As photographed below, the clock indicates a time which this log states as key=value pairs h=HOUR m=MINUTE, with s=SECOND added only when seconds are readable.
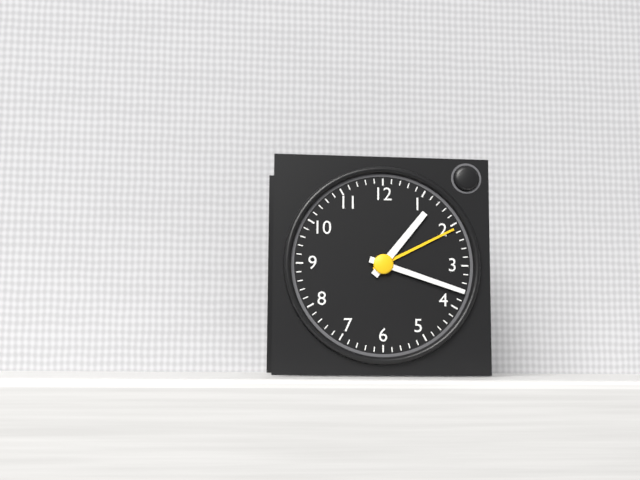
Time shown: h=1 m=18
